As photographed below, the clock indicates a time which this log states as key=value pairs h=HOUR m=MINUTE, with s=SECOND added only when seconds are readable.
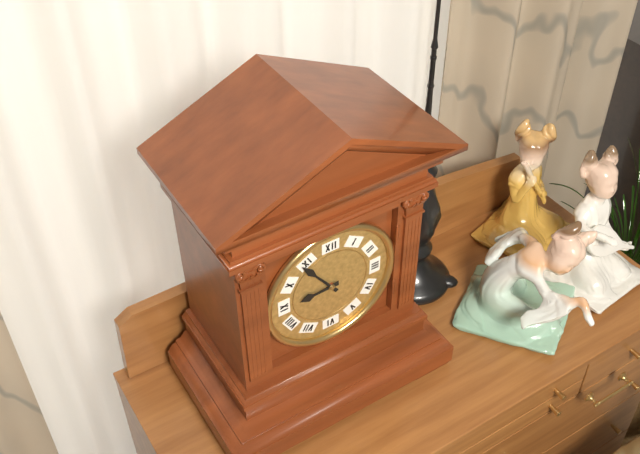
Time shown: h=8 m=54
